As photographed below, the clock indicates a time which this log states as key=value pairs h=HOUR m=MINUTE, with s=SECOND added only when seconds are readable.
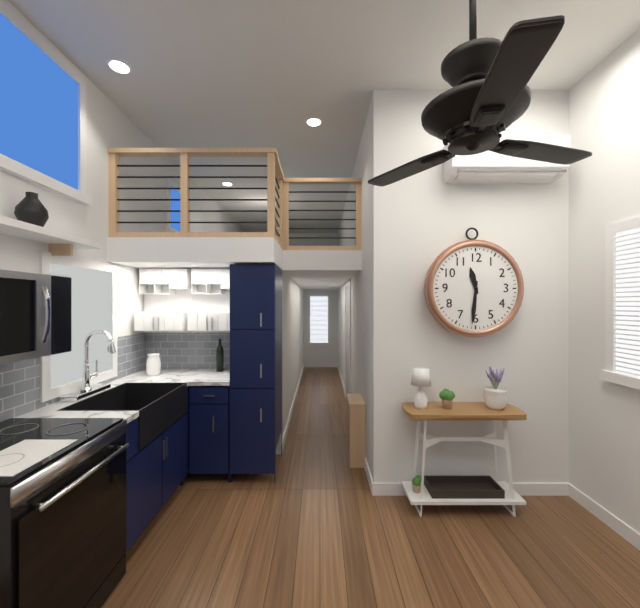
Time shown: h=11 m=31
